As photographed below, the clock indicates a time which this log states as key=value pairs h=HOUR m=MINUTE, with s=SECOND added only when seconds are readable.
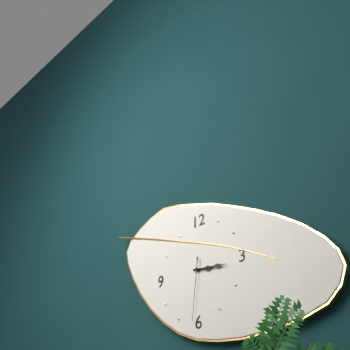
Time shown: h=3 m=16 s=31
